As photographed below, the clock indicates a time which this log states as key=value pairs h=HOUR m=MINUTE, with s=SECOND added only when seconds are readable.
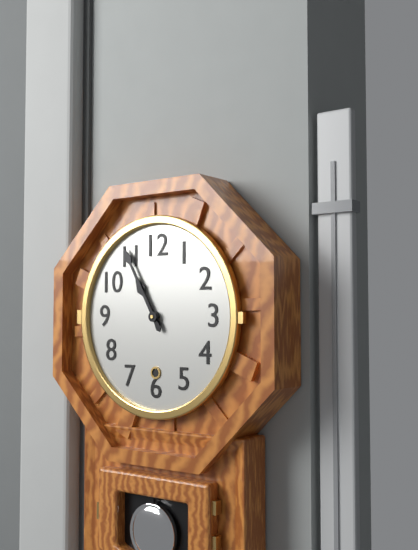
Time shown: h=10 m=55
